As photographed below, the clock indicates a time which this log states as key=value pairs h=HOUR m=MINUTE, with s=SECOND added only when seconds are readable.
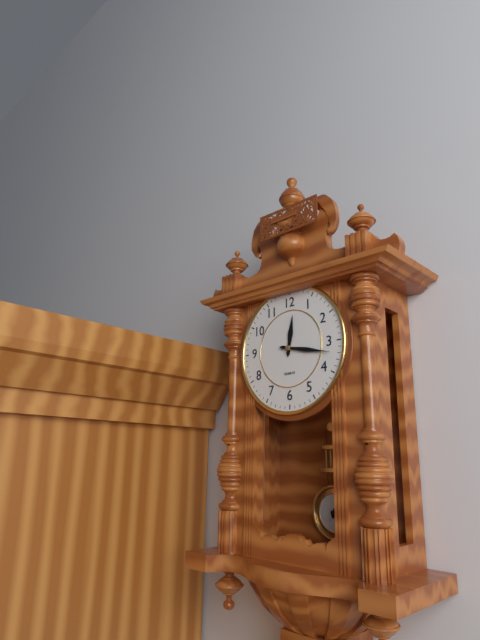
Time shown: h=12 m=17
